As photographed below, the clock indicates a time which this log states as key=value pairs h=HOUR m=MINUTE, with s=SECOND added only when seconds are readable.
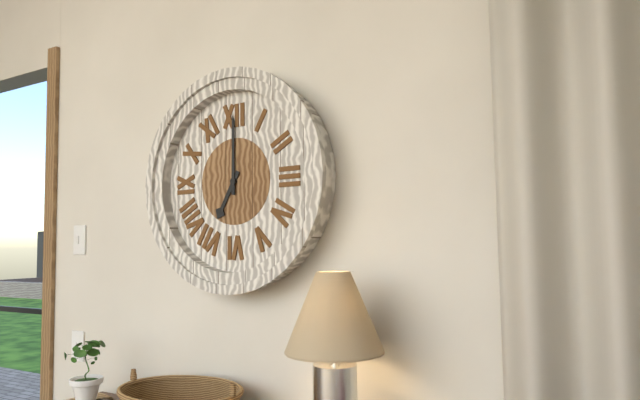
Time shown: h=7 m=0
